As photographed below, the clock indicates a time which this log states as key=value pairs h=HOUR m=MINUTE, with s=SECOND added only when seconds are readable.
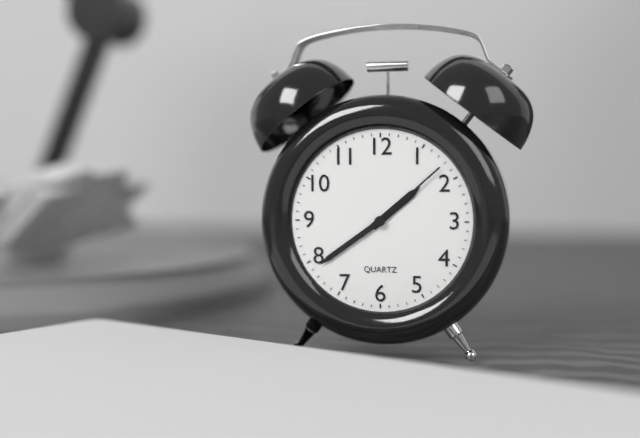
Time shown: h=1 m=39 s=8
